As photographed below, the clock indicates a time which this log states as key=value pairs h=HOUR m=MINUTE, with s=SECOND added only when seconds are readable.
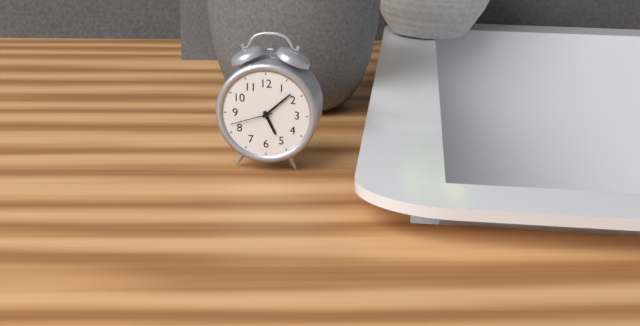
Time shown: h=5 m=8
